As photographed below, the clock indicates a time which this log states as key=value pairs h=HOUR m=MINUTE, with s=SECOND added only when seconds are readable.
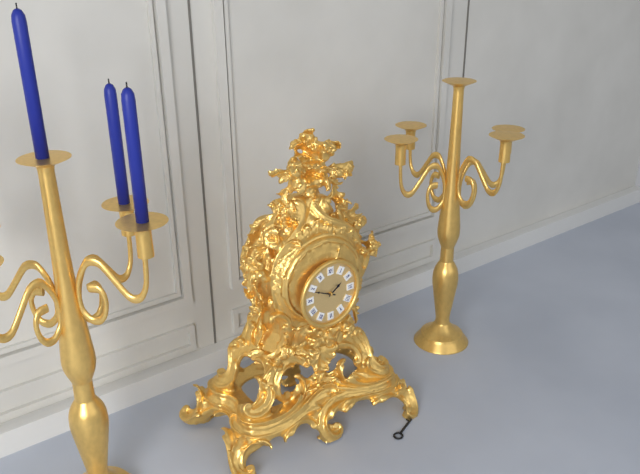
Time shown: h=1 m=49
